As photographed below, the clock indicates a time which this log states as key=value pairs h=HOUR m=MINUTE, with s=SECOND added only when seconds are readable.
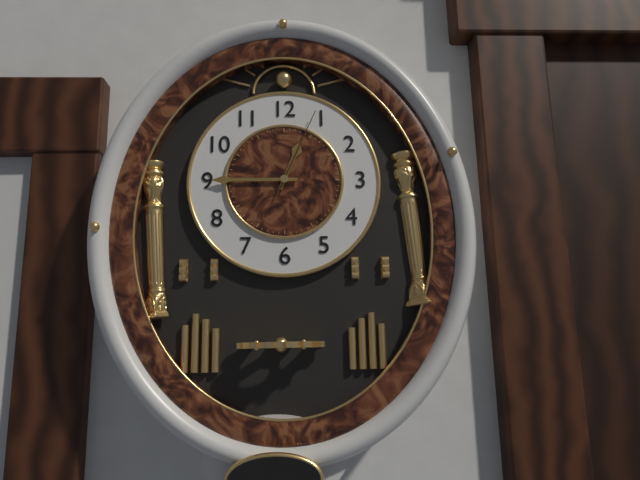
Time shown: h=12 m=45 s=4
